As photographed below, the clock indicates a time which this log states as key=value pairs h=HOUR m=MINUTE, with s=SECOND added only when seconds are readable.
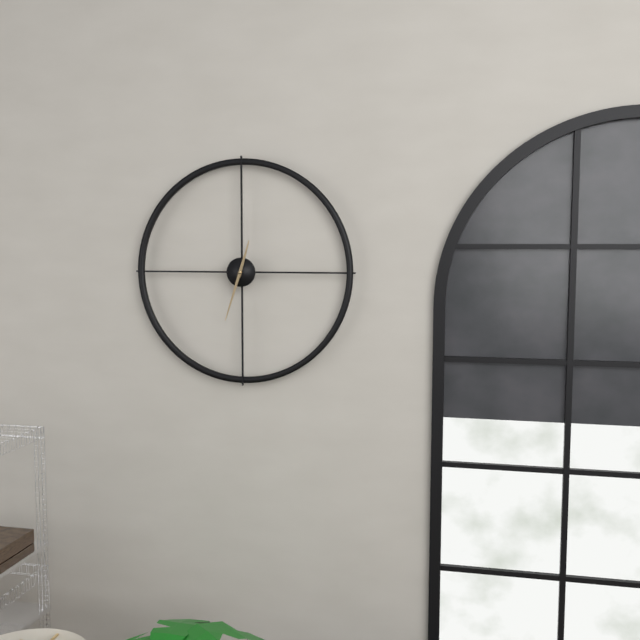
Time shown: h=12 m=33
